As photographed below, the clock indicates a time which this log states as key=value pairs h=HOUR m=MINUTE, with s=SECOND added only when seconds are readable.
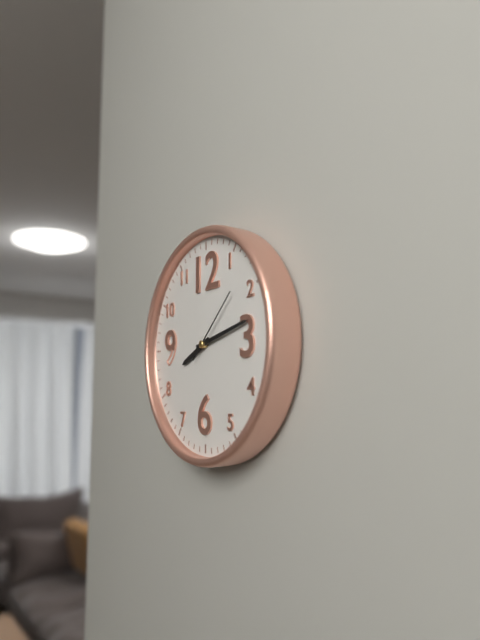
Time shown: h=8 m=13 s=8
